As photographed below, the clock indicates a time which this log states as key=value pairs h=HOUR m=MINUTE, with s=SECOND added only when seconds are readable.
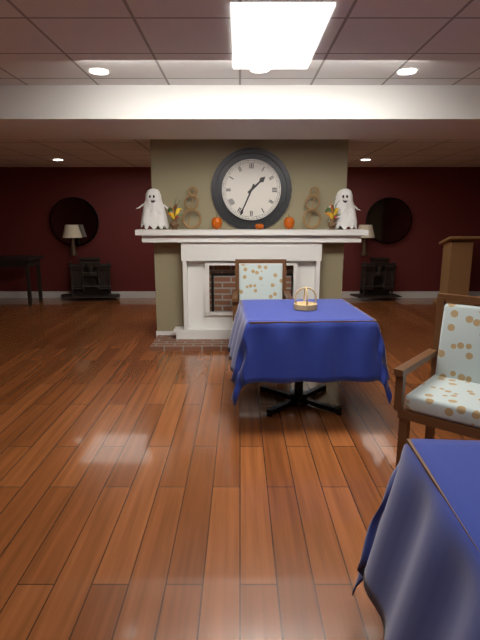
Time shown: h=1 m=34
